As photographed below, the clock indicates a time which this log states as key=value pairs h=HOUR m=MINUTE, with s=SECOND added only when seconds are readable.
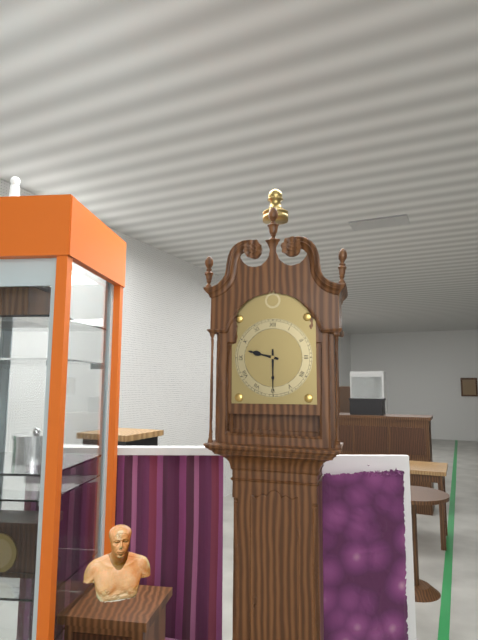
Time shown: h=9 m=30
